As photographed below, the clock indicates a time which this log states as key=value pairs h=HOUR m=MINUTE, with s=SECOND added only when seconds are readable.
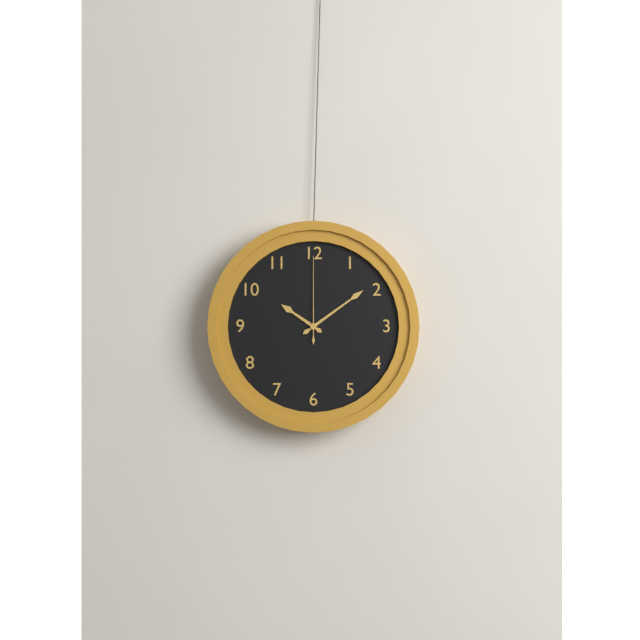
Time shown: h=10 m=9 s=0
